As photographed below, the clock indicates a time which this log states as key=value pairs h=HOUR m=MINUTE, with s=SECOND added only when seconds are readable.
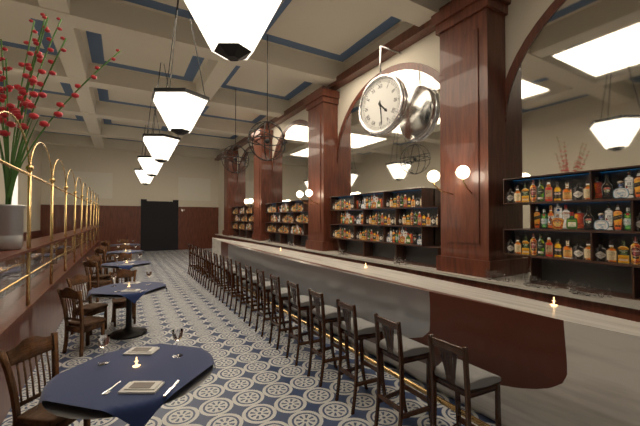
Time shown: h=4 m=29
